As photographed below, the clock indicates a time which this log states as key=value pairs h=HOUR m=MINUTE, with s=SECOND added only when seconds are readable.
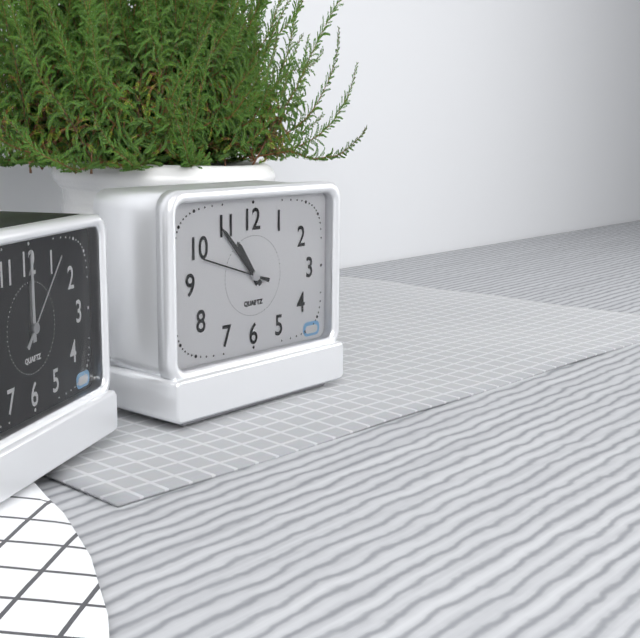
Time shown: h=10 m=53 s=48
